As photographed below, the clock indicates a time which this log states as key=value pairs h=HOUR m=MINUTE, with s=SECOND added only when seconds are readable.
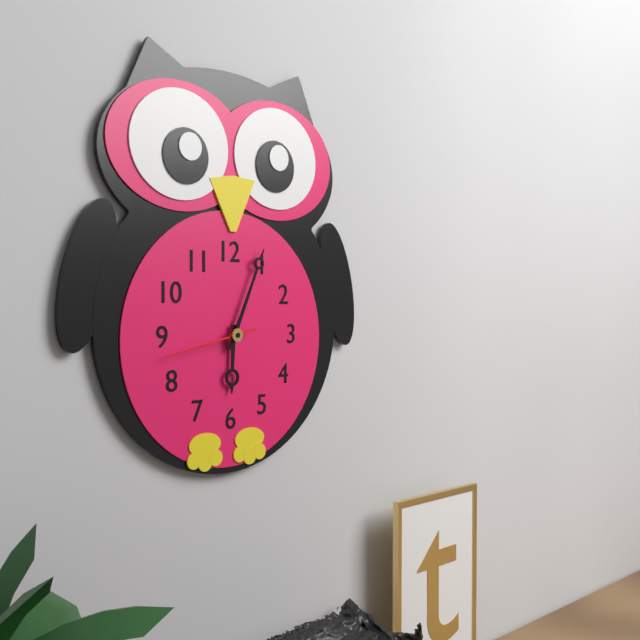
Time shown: h=6 m=4 s=43
